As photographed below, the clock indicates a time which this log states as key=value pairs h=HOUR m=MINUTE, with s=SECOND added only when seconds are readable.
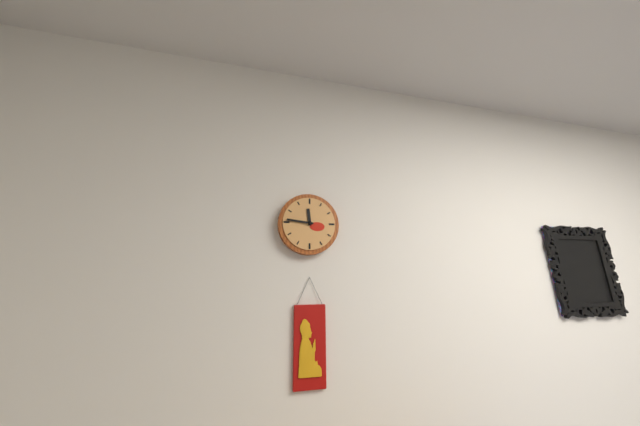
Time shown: h=11 m=46
